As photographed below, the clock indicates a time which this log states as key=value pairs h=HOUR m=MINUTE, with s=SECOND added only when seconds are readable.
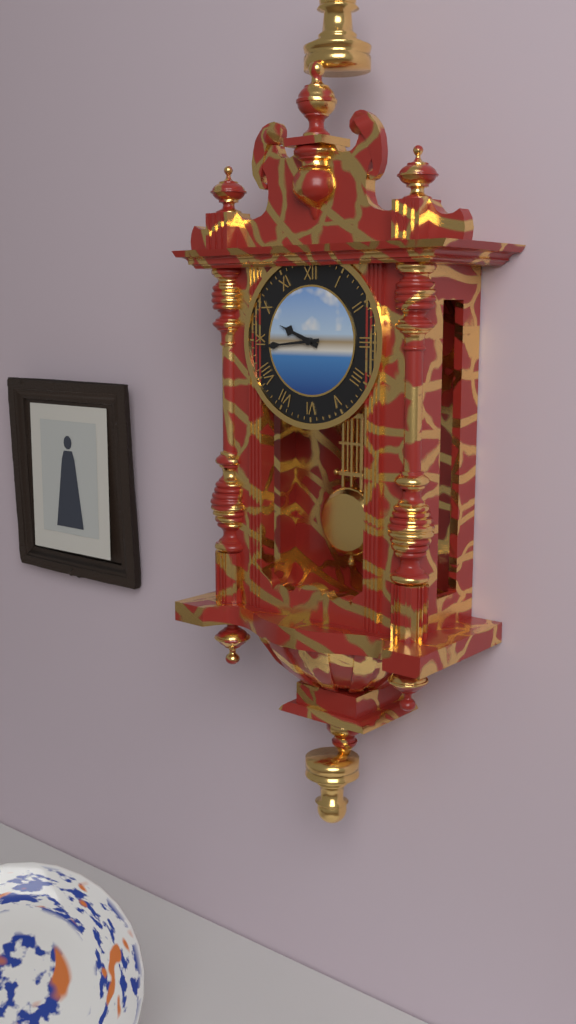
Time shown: h=9 m=44
